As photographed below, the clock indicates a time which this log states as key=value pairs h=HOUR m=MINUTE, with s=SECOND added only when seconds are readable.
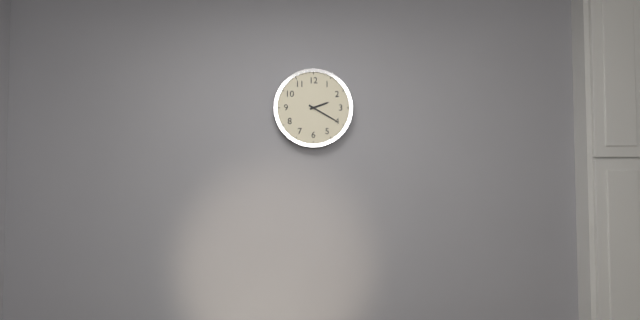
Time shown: h=2 m=20
